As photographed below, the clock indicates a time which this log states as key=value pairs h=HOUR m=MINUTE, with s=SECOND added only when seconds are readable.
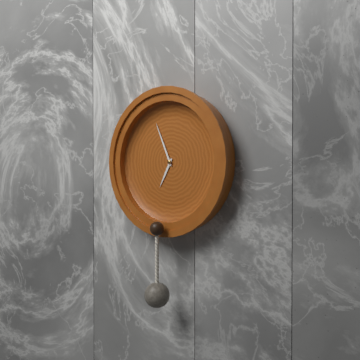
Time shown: h=6 m=56
